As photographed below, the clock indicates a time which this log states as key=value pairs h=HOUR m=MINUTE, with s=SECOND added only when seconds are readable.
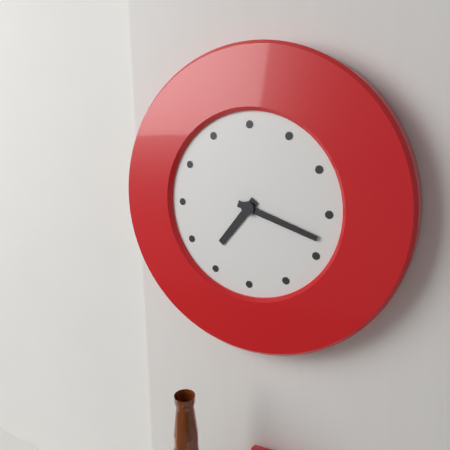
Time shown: h=7 m=18
